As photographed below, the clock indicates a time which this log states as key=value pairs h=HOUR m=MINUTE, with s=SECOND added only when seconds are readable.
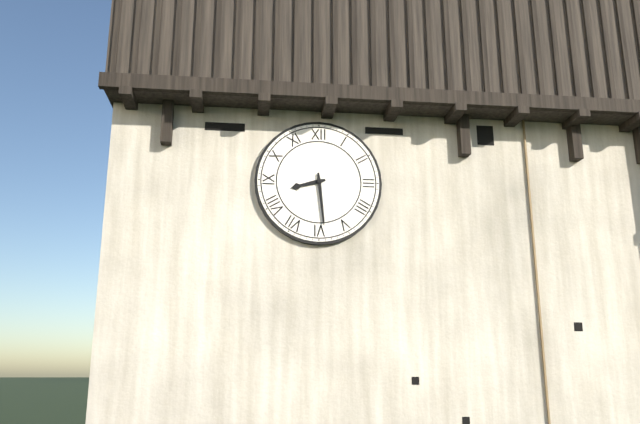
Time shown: h=8 m=29
